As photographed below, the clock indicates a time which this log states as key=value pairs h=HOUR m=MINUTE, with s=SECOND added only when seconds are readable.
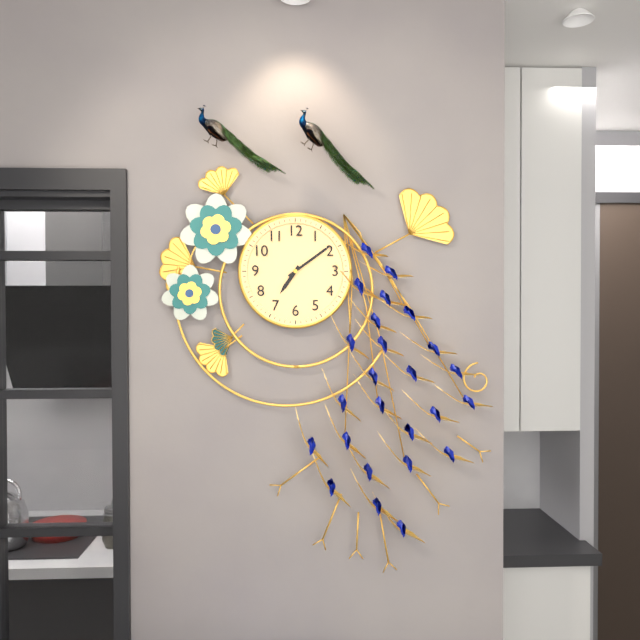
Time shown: h=7 m=9
